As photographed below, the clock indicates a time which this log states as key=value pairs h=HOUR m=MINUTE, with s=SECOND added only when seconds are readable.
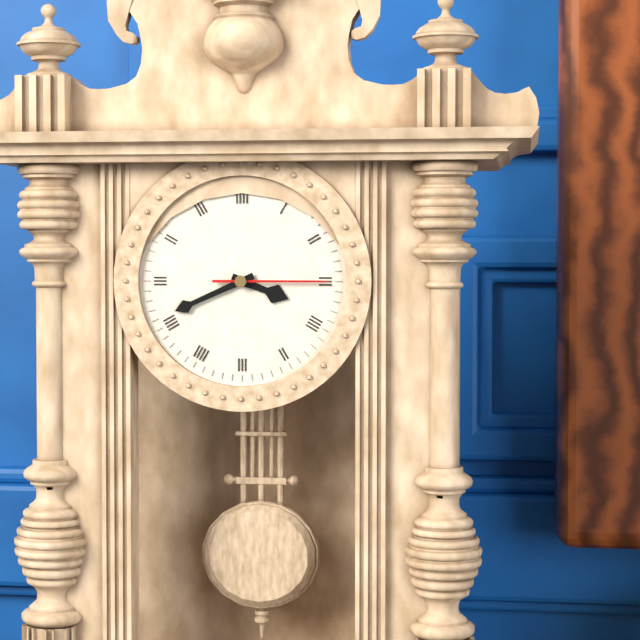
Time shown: h=3 m=41 s=15
